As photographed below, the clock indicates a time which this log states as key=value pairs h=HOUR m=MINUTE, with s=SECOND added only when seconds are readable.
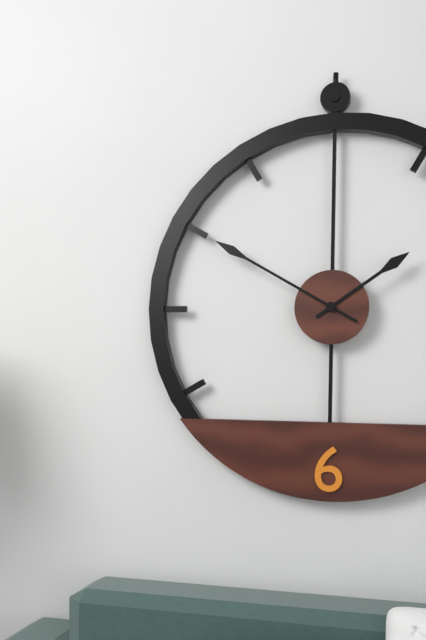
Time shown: h=1 m=50
